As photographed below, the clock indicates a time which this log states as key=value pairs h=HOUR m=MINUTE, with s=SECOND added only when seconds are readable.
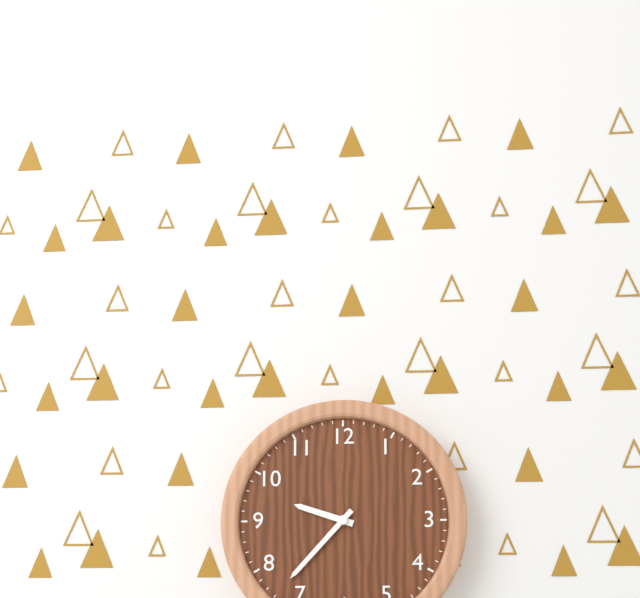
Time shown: h=9 m=37
